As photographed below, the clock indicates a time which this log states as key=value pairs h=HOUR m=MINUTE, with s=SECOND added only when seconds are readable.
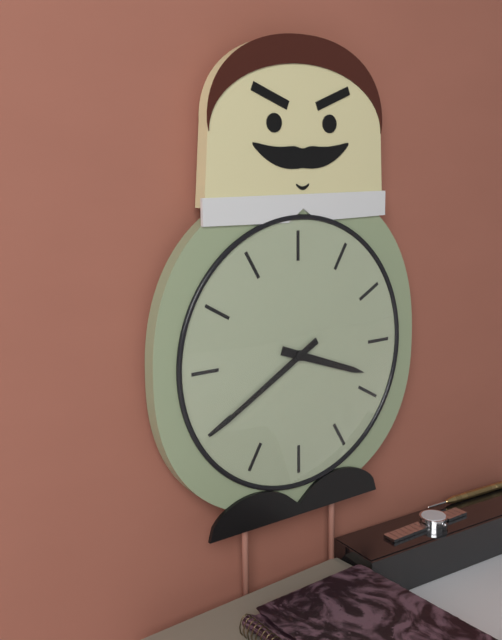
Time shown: h=3 m=40
